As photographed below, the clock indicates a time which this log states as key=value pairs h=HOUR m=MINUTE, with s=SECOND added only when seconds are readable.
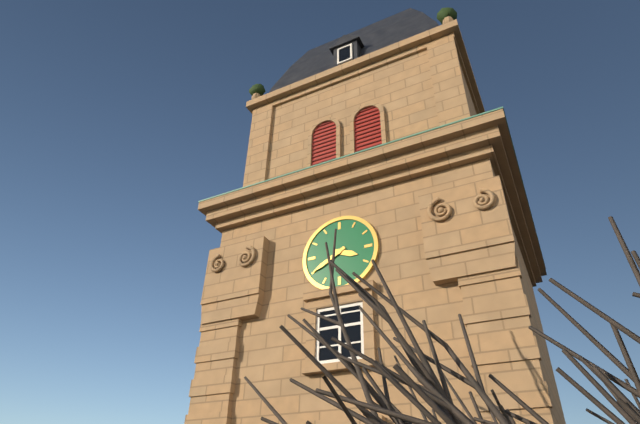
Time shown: h=3 m=40
